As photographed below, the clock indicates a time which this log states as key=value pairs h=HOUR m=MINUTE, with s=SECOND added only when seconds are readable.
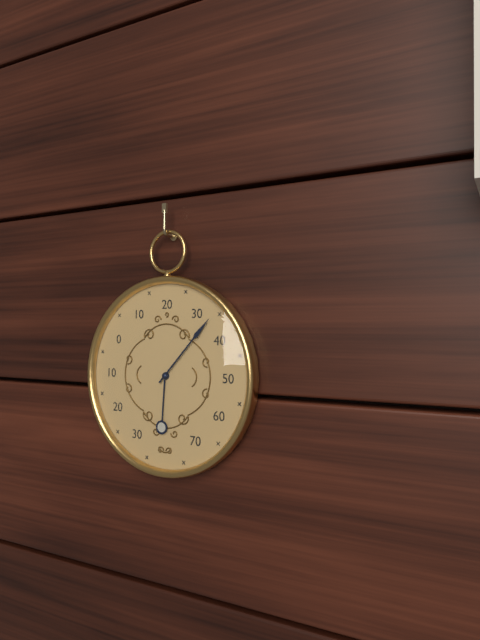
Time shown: h=6 m=7
